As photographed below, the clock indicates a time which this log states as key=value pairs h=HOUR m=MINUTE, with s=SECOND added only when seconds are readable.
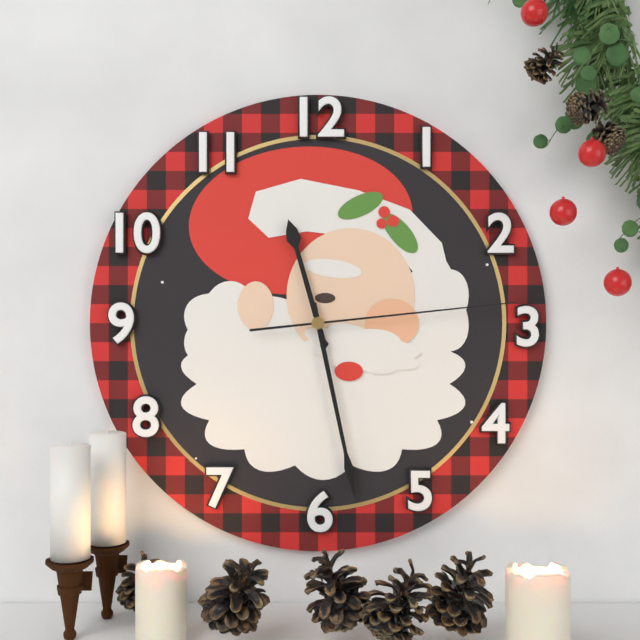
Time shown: h=11 m=28 s=14
